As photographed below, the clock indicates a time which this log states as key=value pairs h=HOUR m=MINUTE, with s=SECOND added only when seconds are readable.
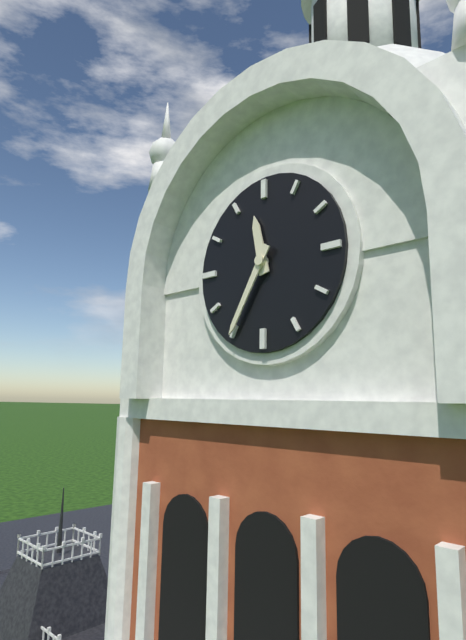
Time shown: h=11 m=35
